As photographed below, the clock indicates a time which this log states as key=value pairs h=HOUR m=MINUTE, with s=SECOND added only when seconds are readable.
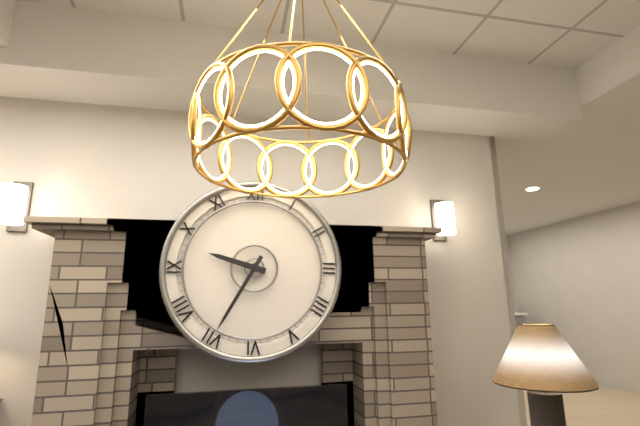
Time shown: h=9 m=35
